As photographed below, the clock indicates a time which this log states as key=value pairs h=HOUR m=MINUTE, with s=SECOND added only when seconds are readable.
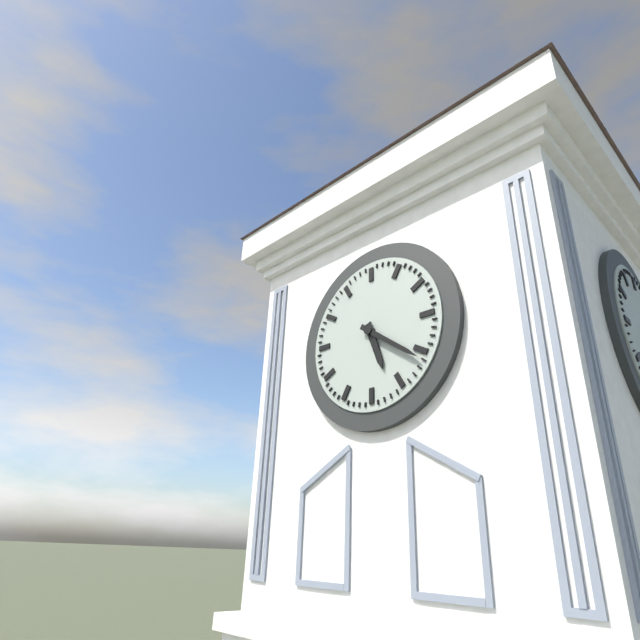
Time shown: h=5 m=21
